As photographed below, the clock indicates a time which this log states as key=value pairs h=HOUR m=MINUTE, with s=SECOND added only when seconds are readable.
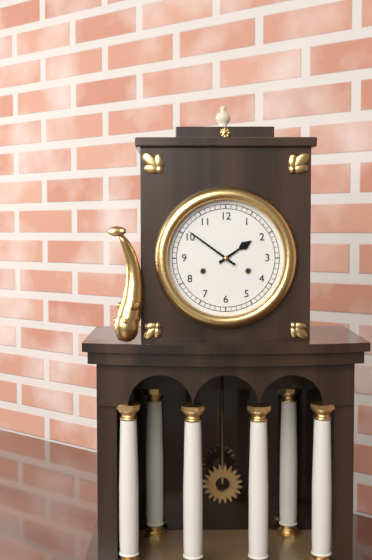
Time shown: h=1 m=51
